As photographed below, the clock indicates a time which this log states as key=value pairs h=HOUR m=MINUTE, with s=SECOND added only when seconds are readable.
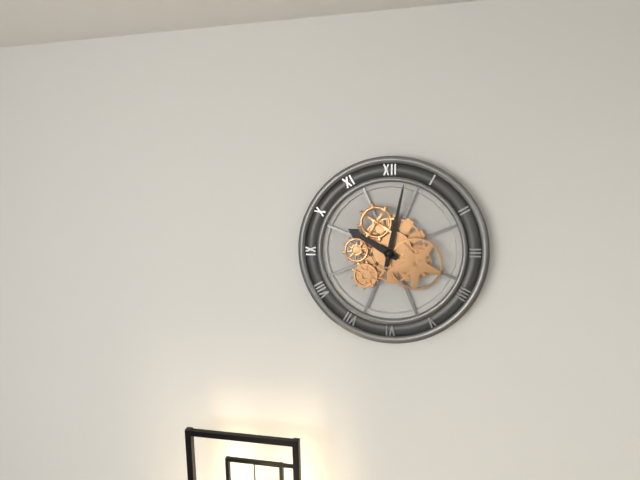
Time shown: h=10 m=2
